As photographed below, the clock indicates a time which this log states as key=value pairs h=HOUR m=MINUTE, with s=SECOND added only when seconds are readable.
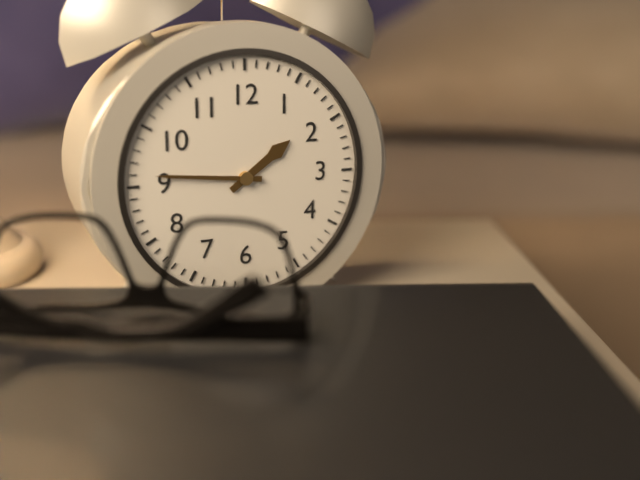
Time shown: h=1 m=46
